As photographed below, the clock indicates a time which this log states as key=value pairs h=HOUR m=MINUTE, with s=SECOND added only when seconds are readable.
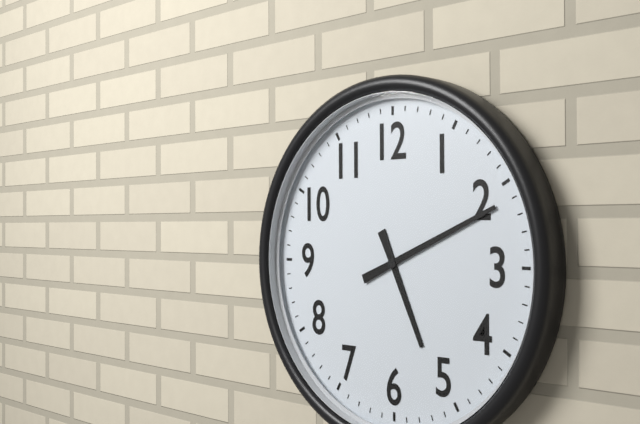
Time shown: h=5 m=11
